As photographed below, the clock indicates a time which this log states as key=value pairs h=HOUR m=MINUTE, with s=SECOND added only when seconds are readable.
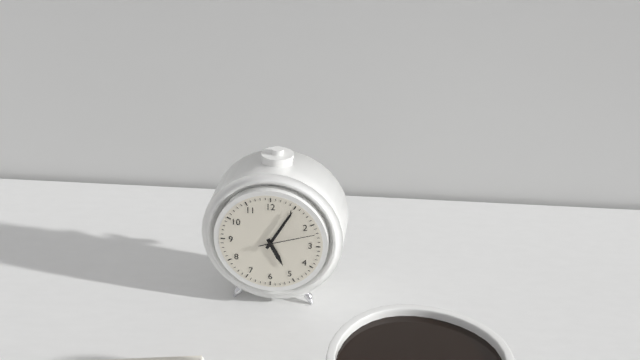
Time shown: h=5 m=5 s=12
